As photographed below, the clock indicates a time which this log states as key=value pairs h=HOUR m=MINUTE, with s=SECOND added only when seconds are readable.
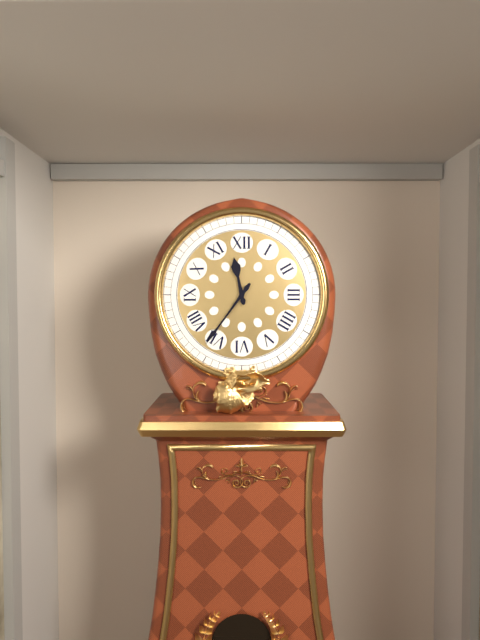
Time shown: h=11 m=36
